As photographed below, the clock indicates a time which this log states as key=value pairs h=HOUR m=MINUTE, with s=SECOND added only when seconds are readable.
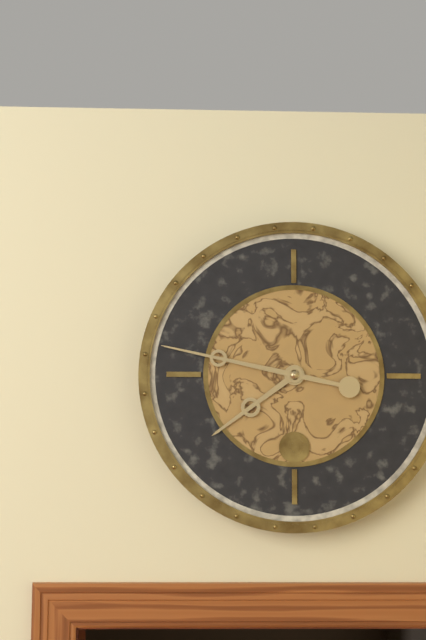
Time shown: h=7 m=47
